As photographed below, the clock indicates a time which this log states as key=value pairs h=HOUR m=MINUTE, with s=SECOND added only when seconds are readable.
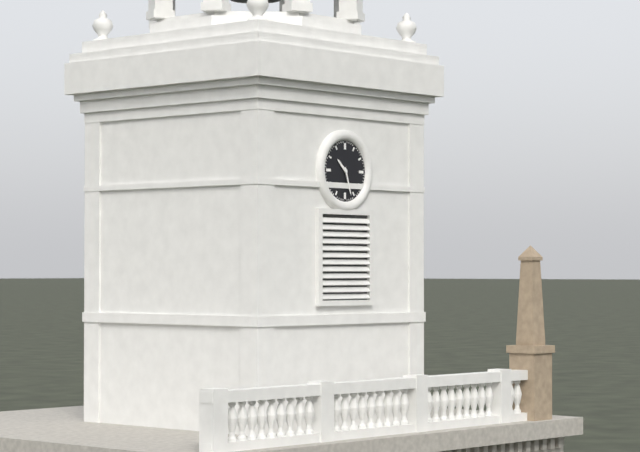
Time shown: h=10 m=27
